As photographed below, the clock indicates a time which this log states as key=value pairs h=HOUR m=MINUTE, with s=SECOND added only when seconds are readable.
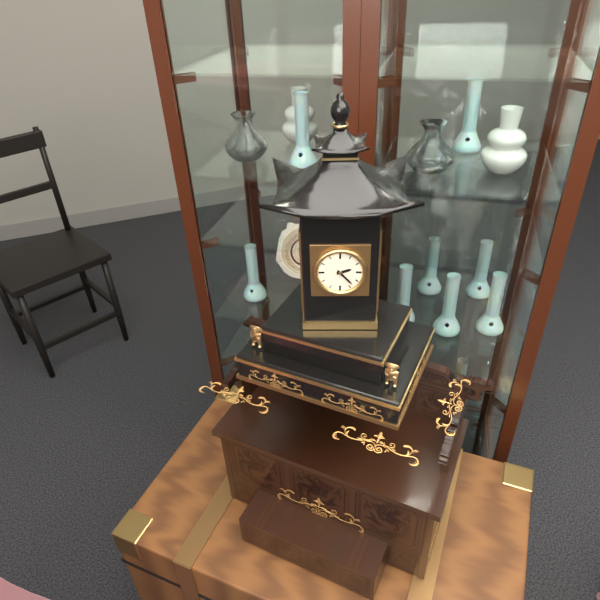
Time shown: h=2 m=23
